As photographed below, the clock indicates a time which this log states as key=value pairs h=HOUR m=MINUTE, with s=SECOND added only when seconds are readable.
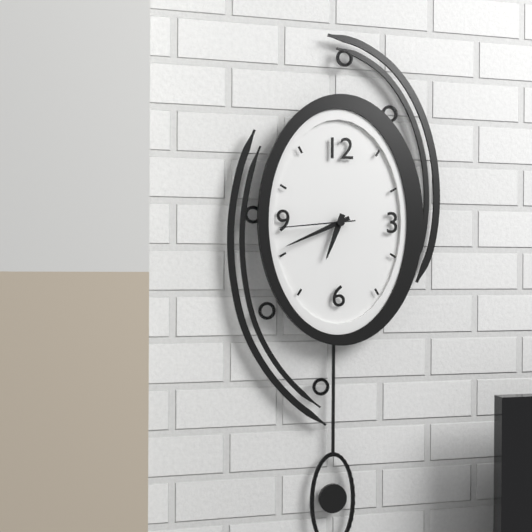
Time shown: h=6 m=41 s=44
